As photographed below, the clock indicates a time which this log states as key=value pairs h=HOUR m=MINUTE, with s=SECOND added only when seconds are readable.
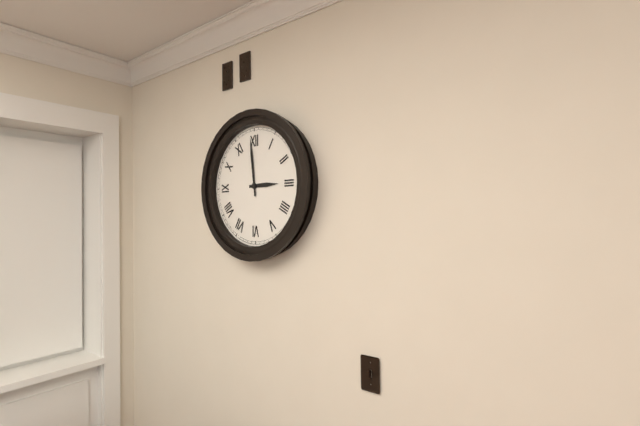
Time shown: h=2 m=59
